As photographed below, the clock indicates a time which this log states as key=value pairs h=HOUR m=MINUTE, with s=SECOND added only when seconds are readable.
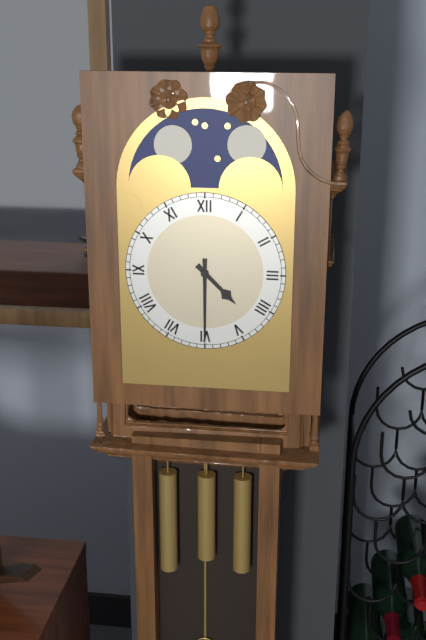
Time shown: h=4 m=30
